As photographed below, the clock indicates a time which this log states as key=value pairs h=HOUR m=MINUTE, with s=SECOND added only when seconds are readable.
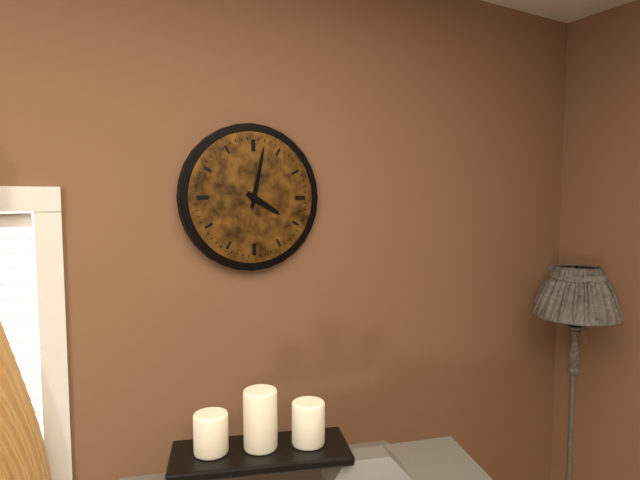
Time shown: h=4 m=2
